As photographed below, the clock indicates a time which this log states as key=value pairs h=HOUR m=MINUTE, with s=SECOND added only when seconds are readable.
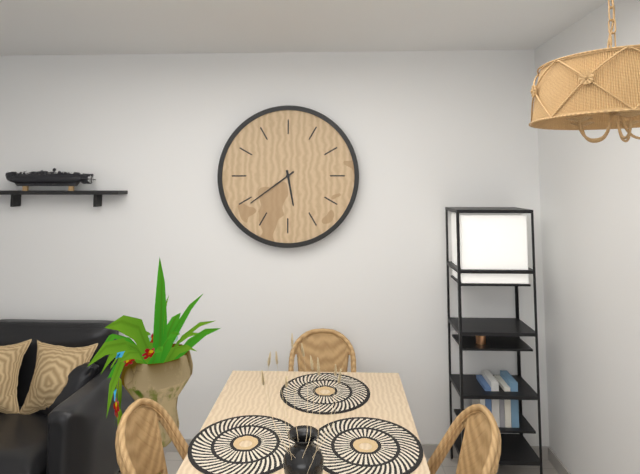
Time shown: h=5 m=39
